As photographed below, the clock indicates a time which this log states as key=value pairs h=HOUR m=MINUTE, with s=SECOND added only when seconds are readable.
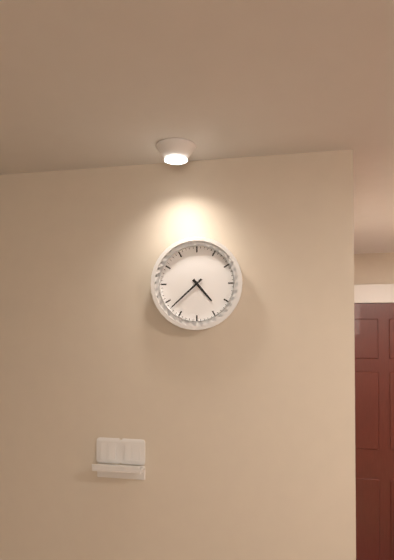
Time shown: h=4 m=38
